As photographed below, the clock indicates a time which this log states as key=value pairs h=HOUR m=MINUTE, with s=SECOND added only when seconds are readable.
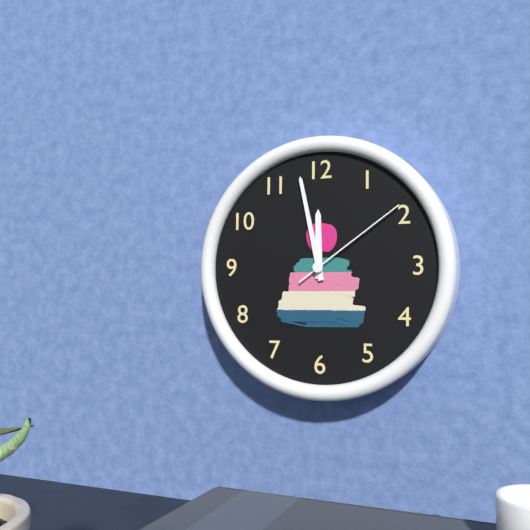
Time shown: h=11 m=58 s=9
